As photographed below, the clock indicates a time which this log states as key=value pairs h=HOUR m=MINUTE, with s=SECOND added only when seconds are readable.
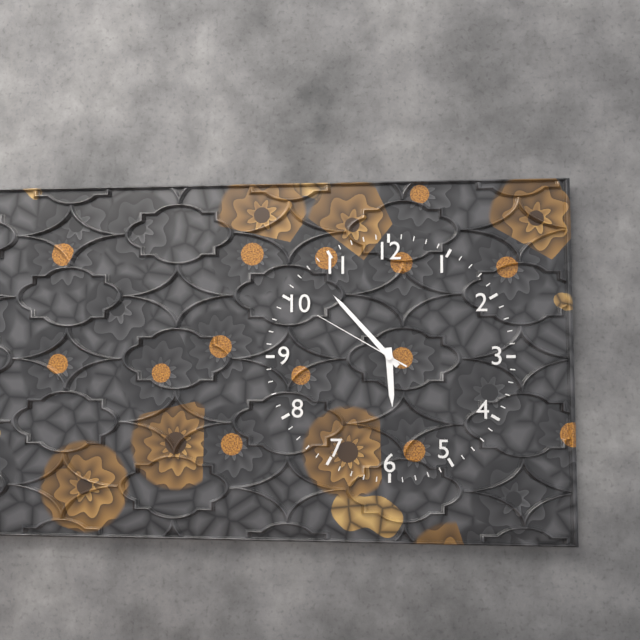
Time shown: h=5 m=53 s=50
